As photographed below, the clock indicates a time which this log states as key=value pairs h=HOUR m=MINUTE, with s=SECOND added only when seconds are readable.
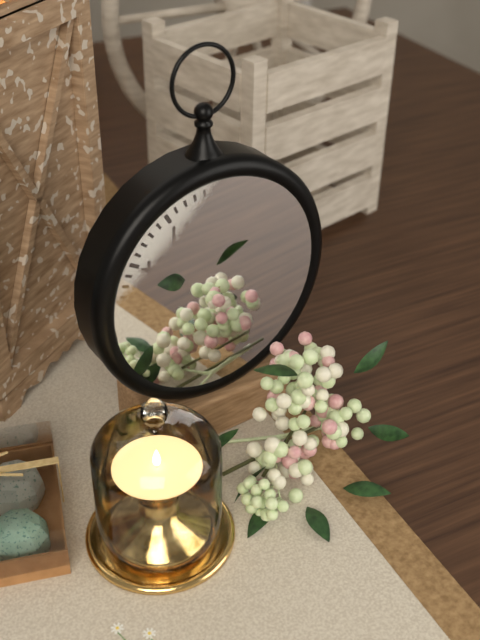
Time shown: h=6 m=50
